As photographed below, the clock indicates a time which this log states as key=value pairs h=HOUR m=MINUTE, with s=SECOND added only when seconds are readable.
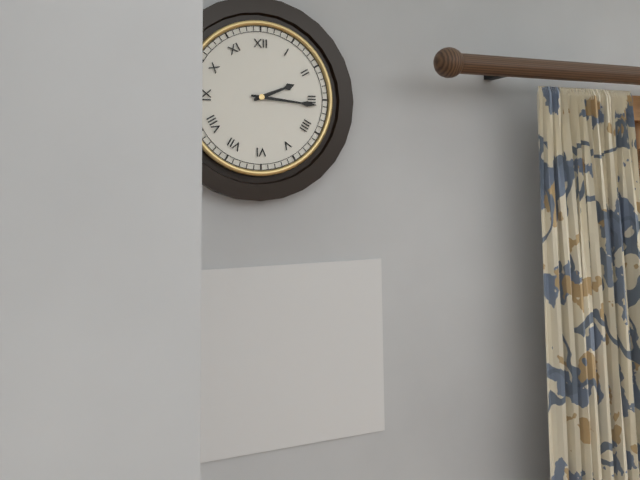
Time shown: h=2 m=16
